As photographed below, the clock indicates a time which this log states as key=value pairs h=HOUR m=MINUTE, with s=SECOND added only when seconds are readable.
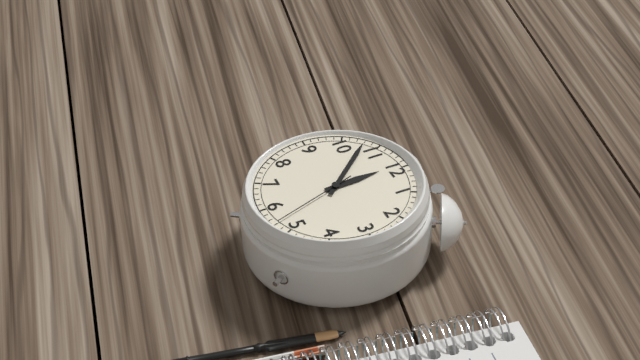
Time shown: h=11 m=53 s=27
